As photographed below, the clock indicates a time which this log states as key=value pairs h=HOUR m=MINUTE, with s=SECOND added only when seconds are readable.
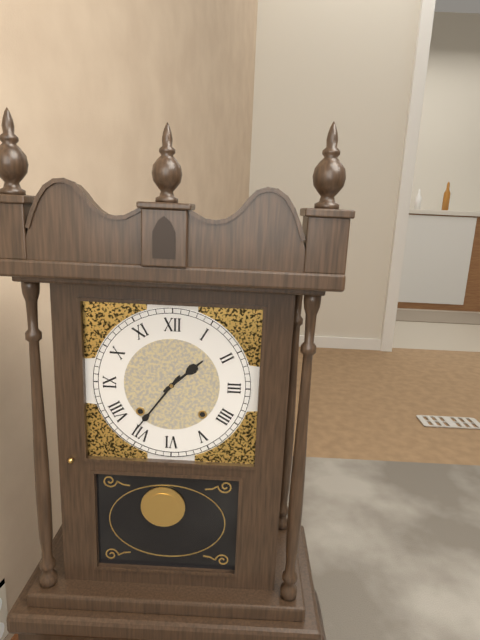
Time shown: h=1 m=36
